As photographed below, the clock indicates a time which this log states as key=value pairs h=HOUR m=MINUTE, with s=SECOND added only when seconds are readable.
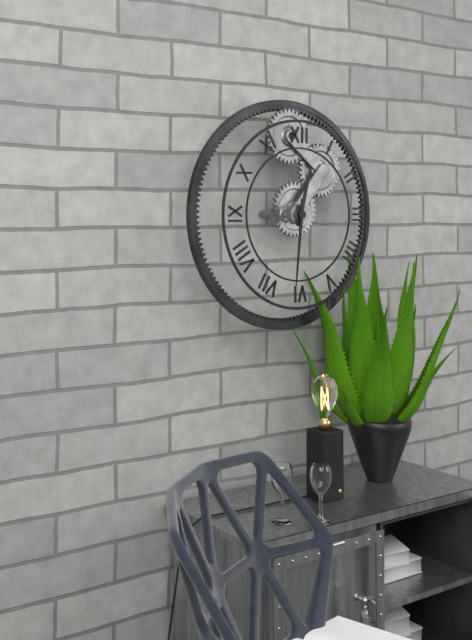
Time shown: h=12 m=31
